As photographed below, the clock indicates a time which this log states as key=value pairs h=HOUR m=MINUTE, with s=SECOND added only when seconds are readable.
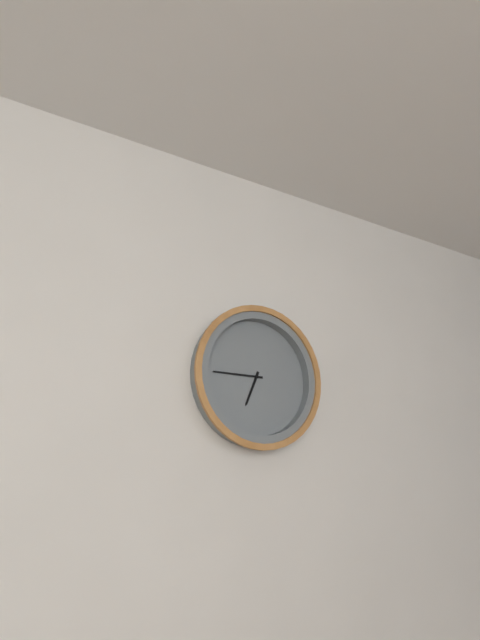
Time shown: h=6 m=45
